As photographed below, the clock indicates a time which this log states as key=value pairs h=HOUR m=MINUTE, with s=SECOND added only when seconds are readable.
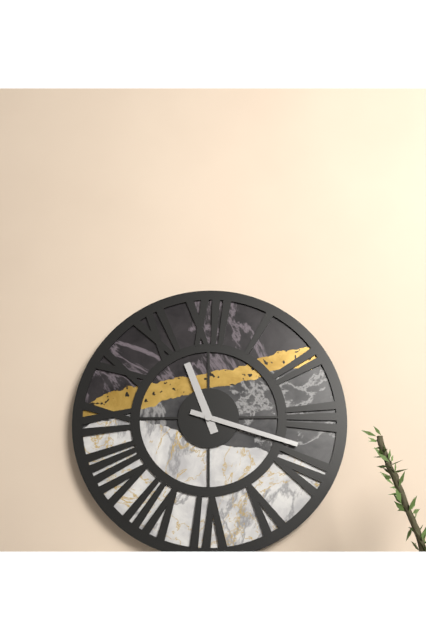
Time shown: h=11 m=18
